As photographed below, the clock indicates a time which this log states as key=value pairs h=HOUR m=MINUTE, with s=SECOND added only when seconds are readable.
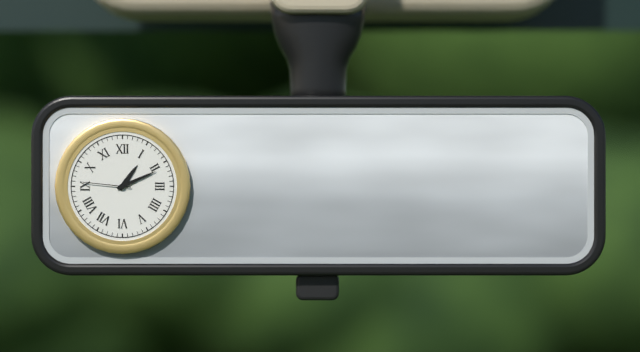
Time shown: h=1 m=11 s=46
